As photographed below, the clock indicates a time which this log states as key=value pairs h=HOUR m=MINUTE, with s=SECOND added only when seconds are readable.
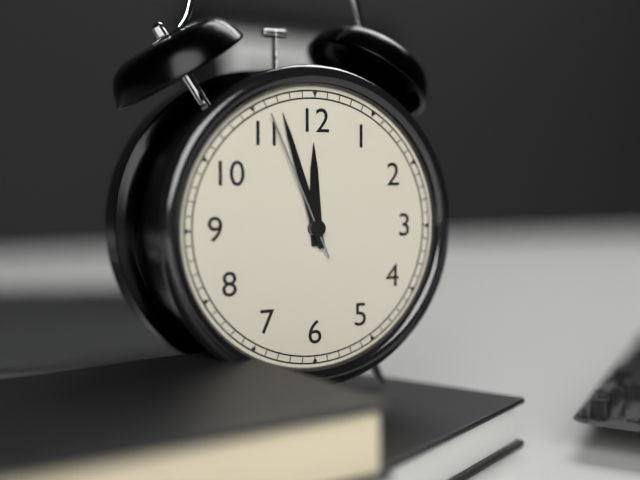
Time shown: h=11 m=57 s=56
